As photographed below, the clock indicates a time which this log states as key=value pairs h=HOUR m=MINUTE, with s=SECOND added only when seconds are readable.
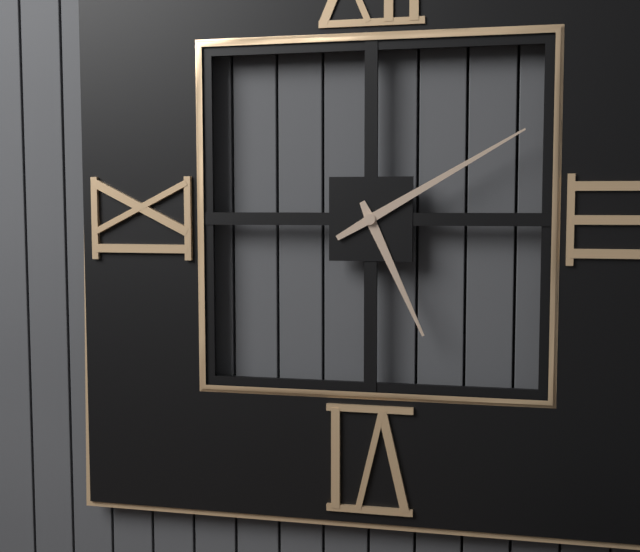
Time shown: h=5 m=10
